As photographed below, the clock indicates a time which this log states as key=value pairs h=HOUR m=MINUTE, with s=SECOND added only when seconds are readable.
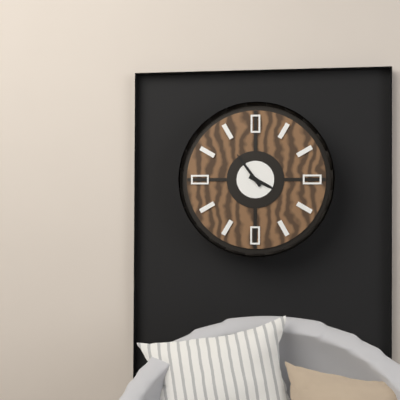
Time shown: h=3 m=54
